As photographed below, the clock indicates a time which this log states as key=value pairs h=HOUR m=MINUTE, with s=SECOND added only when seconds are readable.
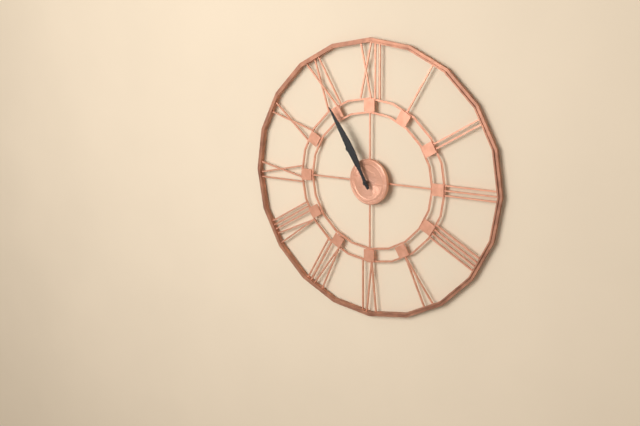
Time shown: h=10 m=55
